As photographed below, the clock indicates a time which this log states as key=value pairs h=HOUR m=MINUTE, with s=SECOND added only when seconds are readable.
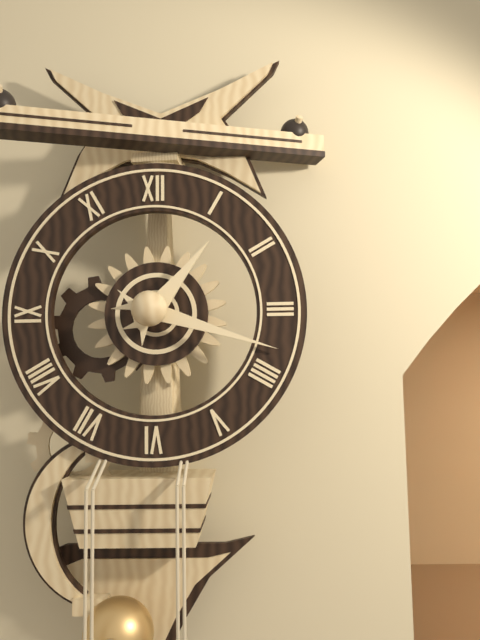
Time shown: h=1 m=18
